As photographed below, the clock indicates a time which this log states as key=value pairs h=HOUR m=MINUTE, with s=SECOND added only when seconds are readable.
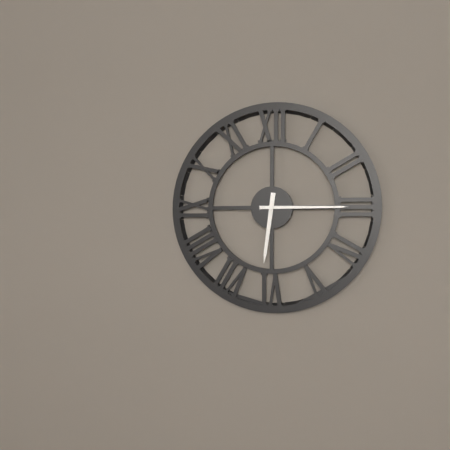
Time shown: h=6 m=15
